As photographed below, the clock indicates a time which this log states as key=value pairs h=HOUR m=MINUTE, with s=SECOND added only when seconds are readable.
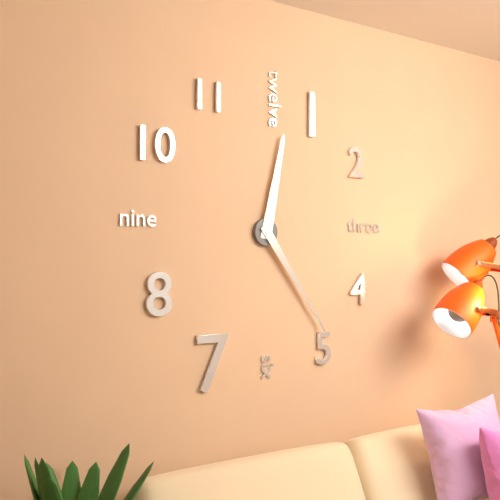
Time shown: h=12 m=24
